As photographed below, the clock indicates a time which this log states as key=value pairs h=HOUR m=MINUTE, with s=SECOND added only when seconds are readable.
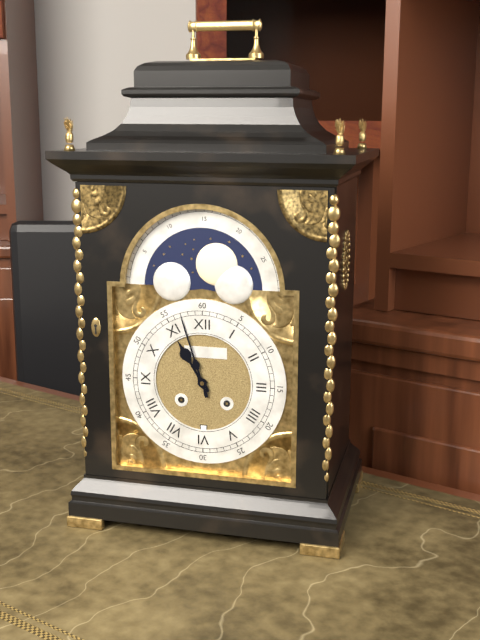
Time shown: h=10 m=57
